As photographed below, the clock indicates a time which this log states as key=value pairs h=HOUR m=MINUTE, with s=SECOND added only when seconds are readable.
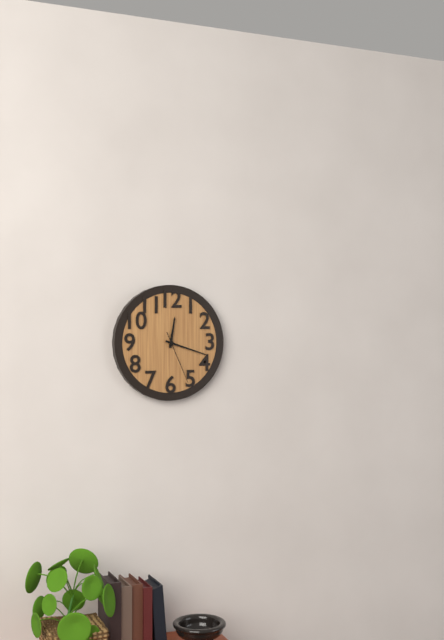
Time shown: h=12 m=18 s=26
